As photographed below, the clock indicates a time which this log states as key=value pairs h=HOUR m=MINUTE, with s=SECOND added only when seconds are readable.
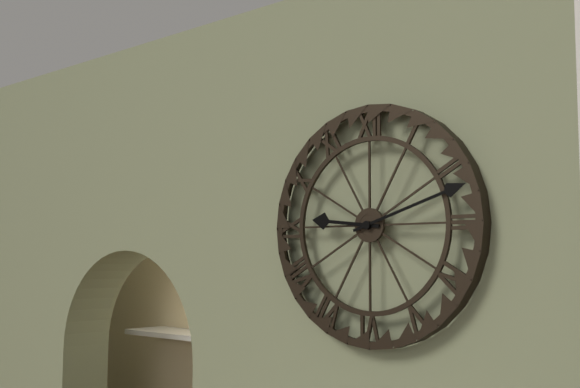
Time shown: h=9 m=12
